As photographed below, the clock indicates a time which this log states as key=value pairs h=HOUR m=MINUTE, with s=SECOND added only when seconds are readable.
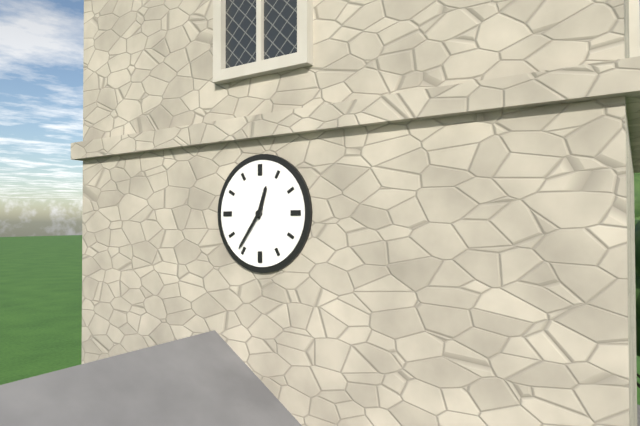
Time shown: h=12 m=36
